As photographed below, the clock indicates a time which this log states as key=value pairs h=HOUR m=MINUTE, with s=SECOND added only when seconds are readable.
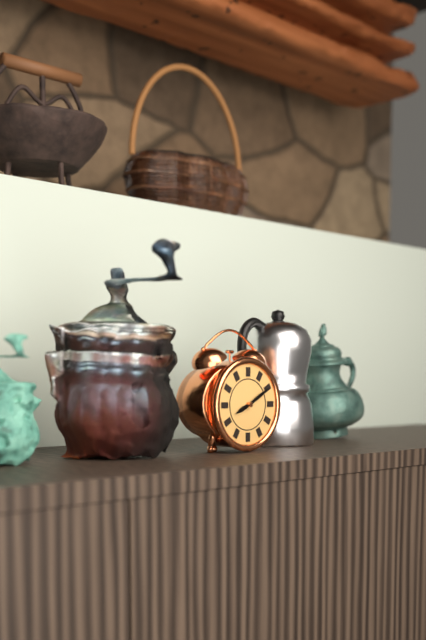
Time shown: h=8 m=10
